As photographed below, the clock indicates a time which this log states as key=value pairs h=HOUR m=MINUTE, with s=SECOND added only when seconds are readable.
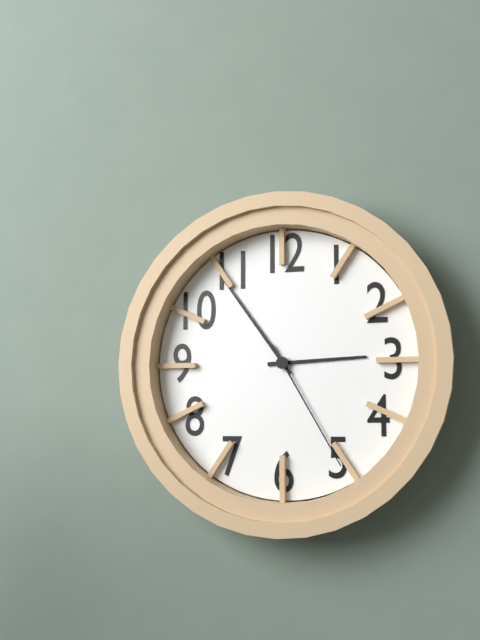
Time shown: h=2 m=54 s=25
